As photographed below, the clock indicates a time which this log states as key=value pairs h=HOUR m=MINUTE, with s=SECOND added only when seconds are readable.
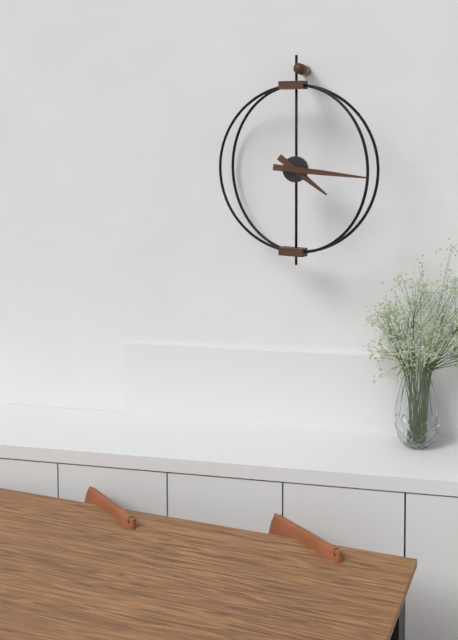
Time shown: h=4 m=16
